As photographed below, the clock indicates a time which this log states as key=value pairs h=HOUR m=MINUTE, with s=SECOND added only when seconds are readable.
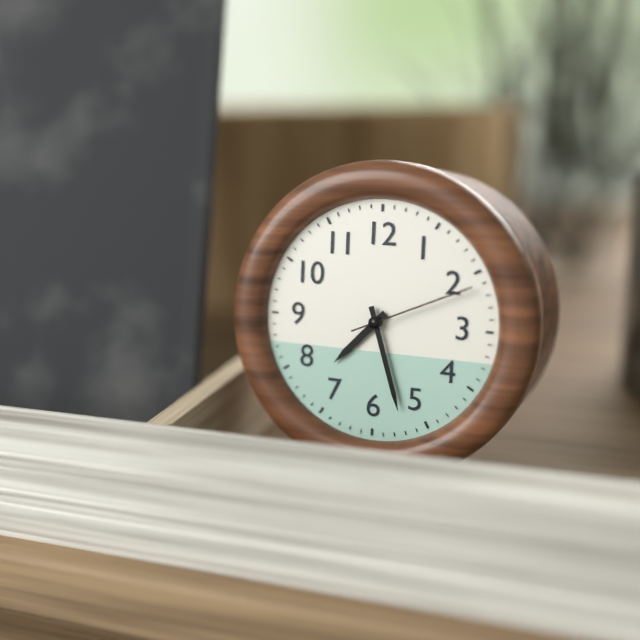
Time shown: h=7 m=27 s=11
